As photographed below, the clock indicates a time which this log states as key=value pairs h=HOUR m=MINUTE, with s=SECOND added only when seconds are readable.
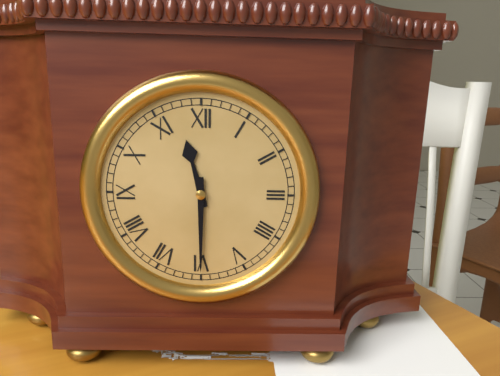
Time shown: h=11 m=30
